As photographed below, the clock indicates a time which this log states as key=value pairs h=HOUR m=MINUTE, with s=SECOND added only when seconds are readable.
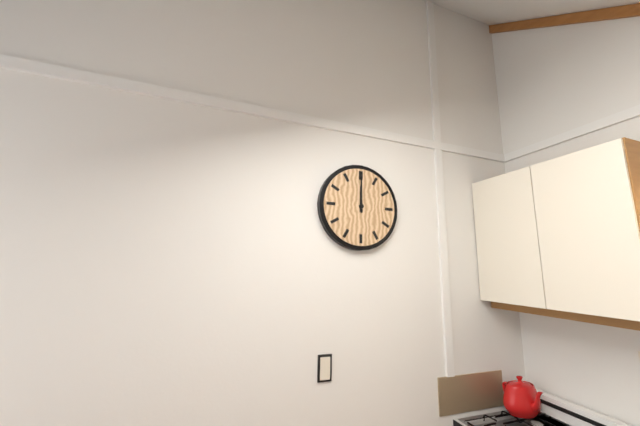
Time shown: h=12 m=0
